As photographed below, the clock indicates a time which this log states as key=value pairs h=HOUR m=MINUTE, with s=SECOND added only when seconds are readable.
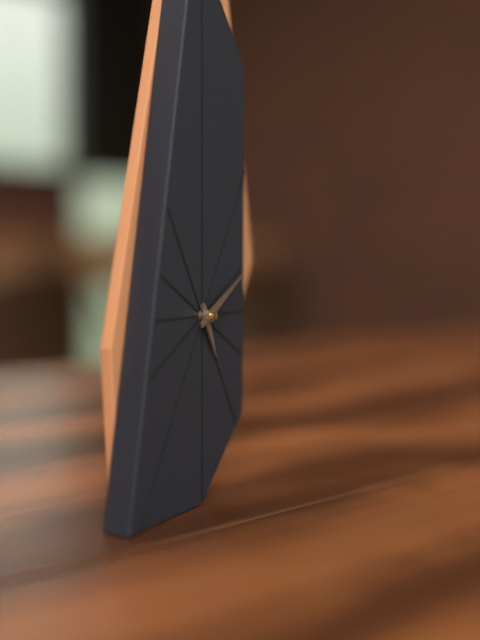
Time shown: h=5 m=10
